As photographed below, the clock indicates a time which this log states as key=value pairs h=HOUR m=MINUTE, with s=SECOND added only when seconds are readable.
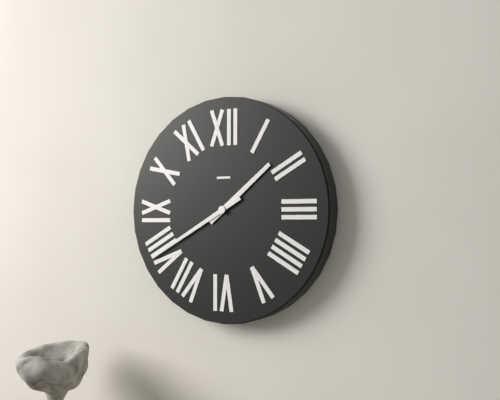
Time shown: h=1 m=40
